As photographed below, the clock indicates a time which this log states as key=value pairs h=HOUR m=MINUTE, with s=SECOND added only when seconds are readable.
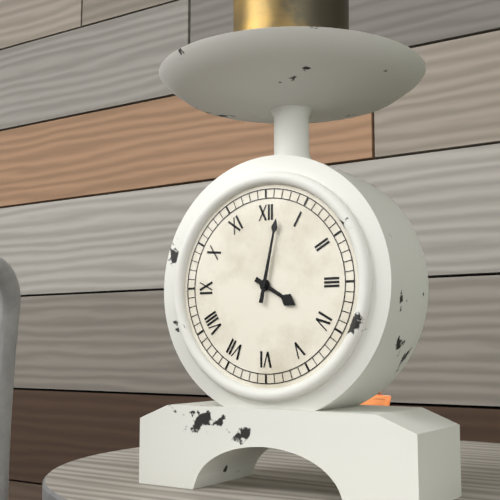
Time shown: h=4 m=2
